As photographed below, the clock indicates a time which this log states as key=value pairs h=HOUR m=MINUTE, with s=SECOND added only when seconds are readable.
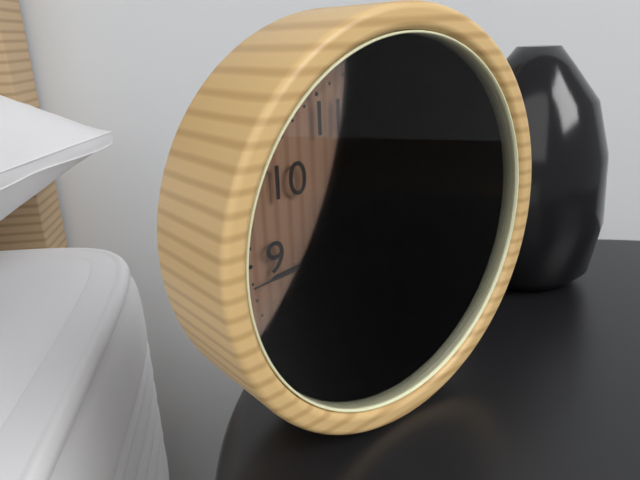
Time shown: h=2 m=44 s=44
